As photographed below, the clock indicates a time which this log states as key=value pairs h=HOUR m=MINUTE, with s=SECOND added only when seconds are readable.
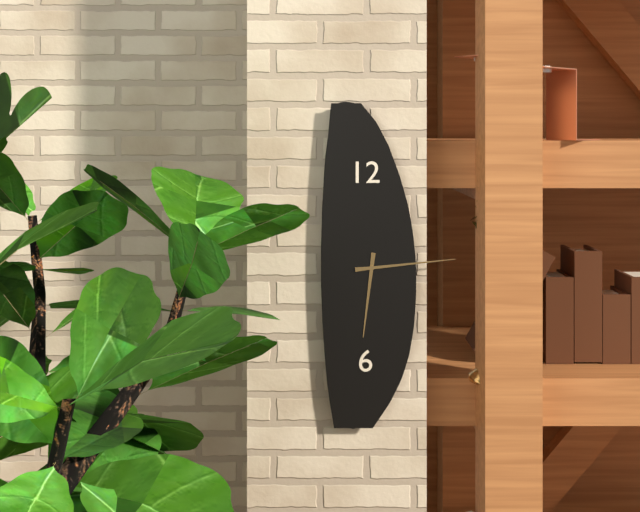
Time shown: h=6 m=14
